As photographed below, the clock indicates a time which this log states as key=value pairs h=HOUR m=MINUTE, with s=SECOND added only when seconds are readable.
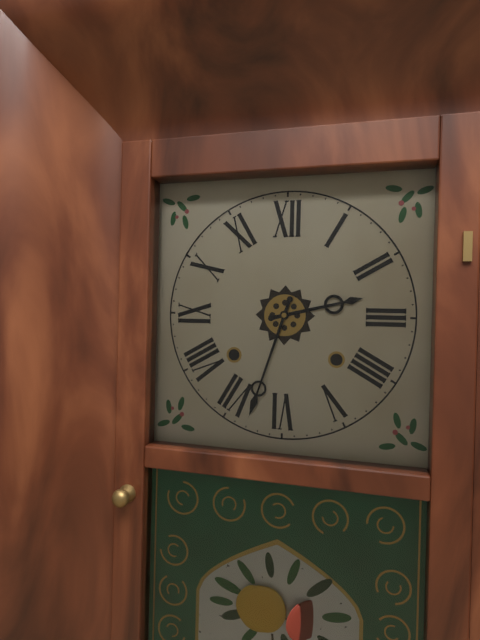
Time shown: h=2 m=33
